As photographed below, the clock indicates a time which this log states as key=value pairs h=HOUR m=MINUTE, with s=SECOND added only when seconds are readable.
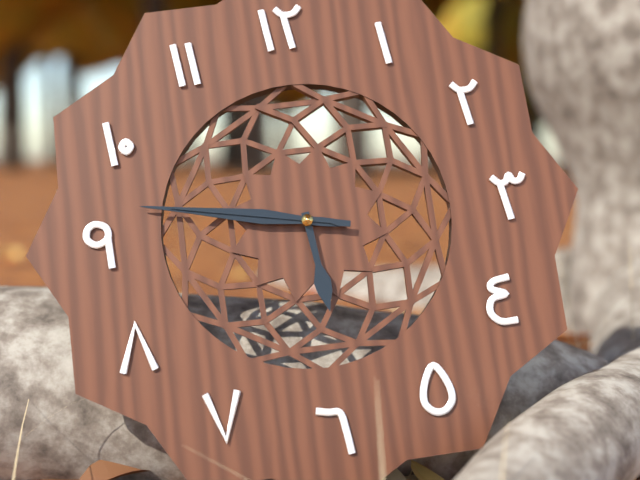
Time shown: h=5 m=47 s=47
